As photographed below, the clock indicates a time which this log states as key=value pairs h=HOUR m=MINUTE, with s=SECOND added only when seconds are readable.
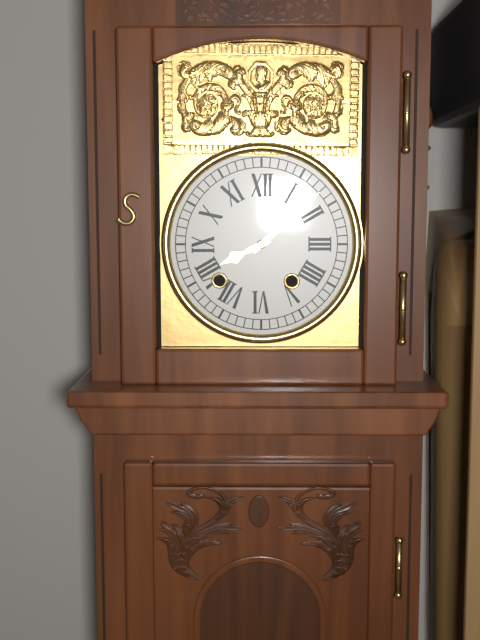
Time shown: h=8 m=8
